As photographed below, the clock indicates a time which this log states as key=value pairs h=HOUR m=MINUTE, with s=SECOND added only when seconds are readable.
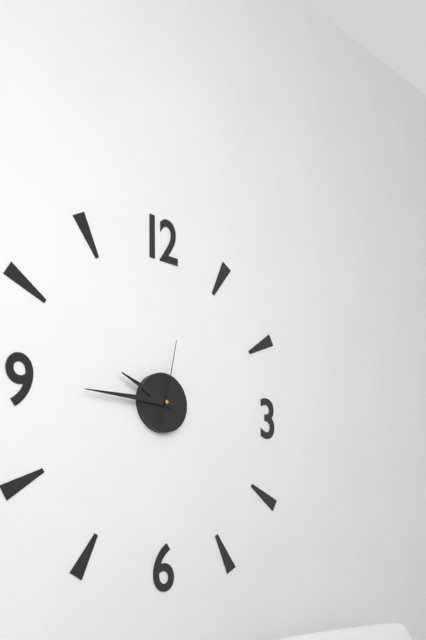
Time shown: h=9 m=45 s=2
